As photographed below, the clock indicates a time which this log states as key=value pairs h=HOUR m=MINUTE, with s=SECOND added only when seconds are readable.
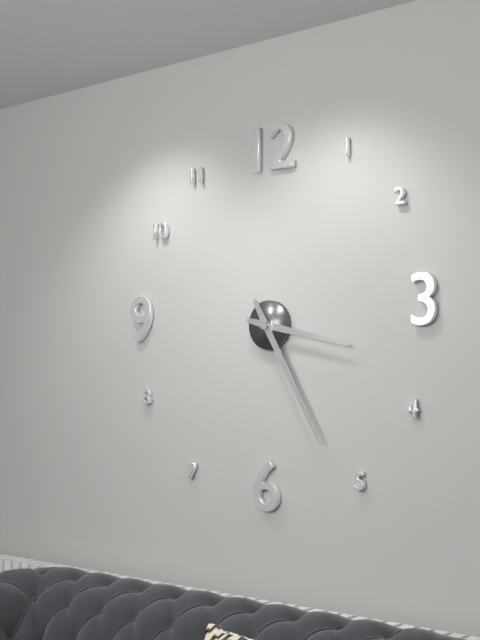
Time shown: h=3 m=25
